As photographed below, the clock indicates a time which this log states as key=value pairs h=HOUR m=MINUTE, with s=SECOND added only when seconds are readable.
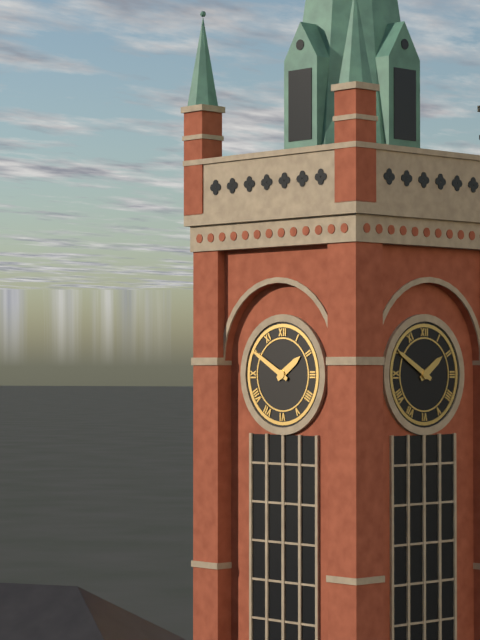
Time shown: h=1 m=50
